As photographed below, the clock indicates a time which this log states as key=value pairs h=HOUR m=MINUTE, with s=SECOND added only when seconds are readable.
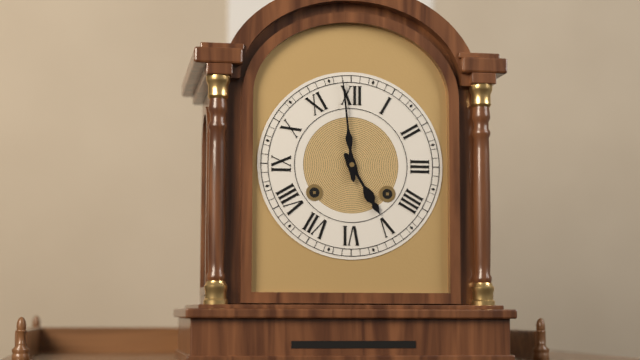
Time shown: h=4 m=59
